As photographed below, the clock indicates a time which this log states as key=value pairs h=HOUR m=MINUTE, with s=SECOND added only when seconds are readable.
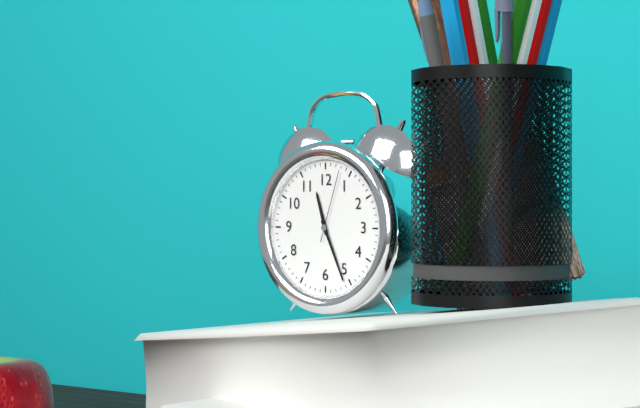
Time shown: h=11 m=26 s=3
